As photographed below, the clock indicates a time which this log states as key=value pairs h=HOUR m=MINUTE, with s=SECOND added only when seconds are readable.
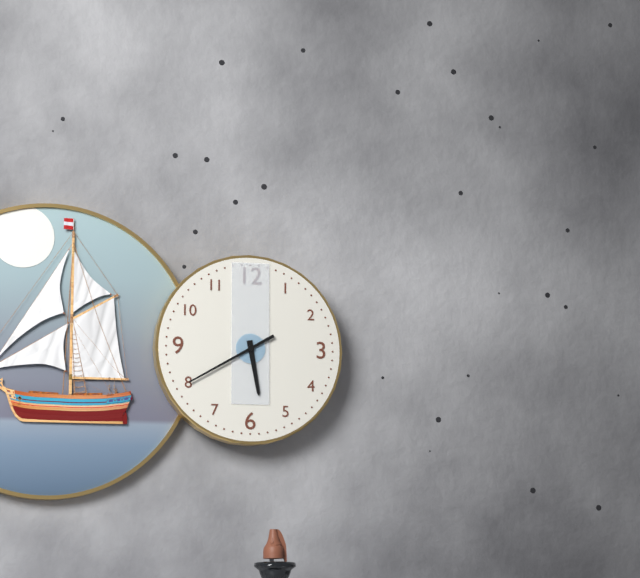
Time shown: h=5 m=40
